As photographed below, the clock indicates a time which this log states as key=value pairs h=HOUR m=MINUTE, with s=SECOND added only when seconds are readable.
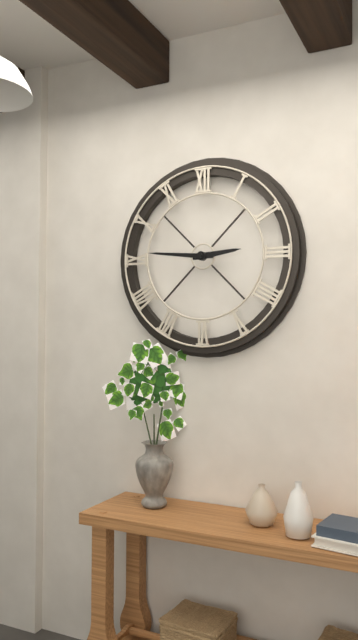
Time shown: h=2 m=46
